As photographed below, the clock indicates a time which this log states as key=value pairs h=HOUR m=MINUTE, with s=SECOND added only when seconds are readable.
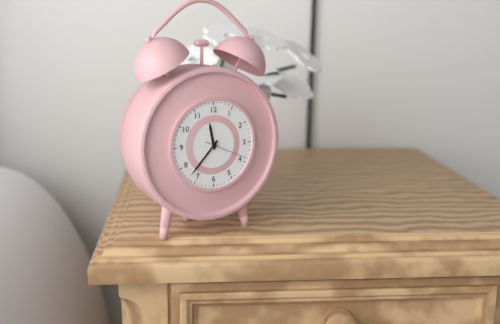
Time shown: h=11 m=37
